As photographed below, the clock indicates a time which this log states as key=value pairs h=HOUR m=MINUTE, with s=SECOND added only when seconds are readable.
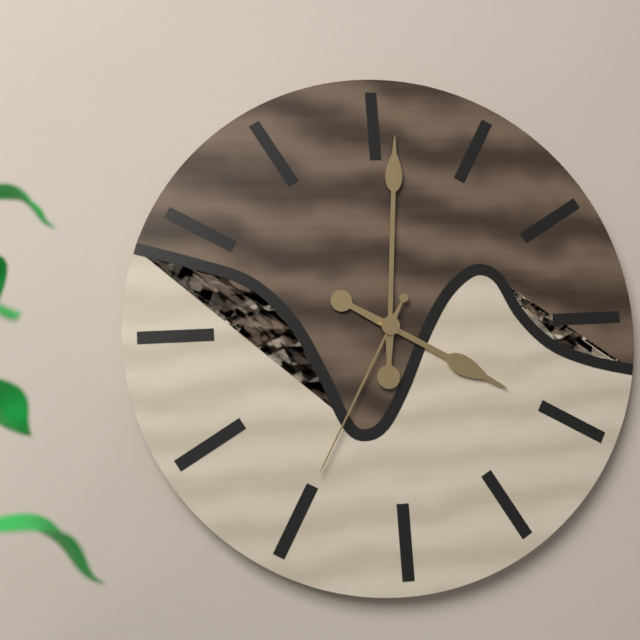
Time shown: h=4 m=1 s=35
